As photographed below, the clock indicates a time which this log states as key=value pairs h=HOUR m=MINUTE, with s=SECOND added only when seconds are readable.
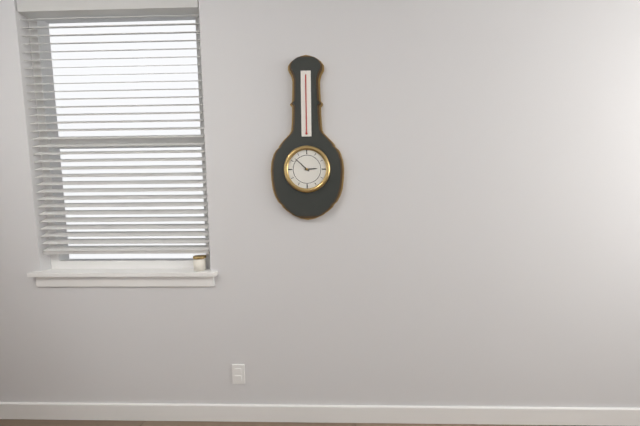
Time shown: h=2 m=52
